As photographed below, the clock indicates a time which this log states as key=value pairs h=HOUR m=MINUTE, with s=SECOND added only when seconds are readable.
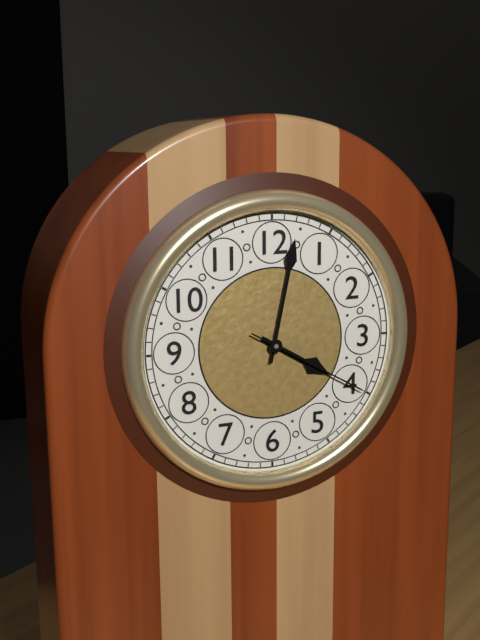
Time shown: h=4 m=2 s=20
